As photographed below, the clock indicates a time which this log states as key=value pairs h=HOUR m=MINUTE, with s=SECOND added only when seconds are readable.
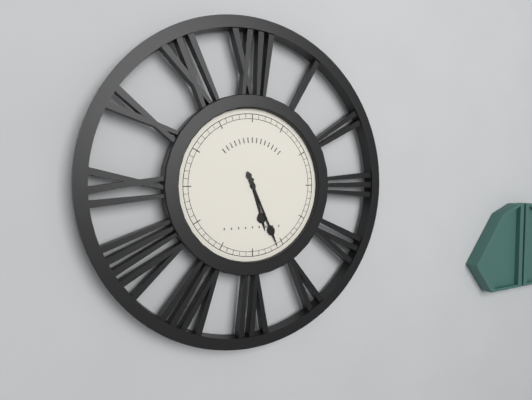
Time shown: h=5 m=26
